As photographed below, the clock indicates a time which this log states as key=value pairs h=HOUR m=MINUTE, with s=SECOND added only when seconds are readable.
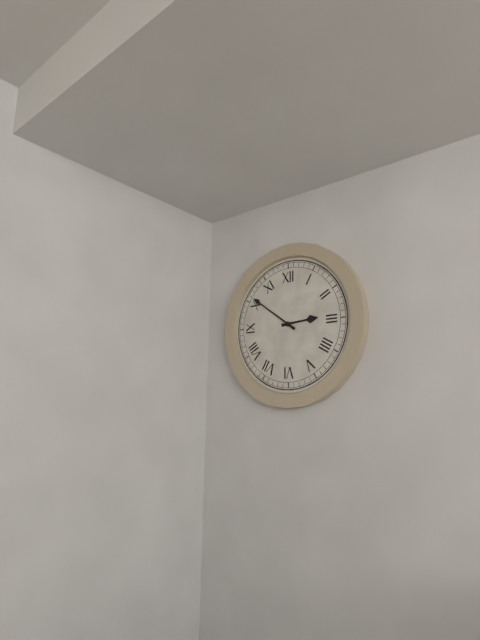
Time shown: h=2 m=51
